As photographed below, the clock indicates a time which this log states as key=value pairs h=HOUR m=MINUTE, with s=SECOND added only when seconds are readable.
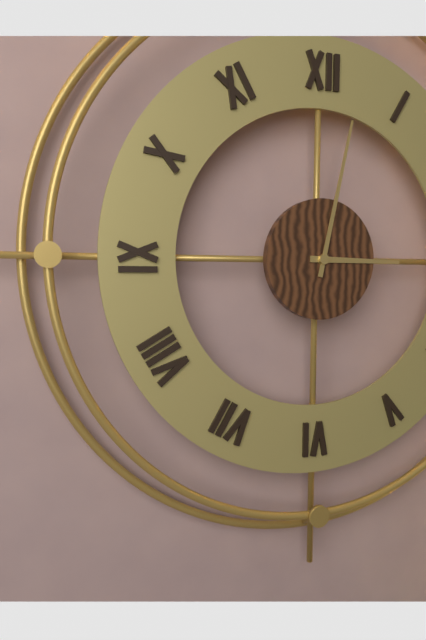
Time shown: h=3 m=2
